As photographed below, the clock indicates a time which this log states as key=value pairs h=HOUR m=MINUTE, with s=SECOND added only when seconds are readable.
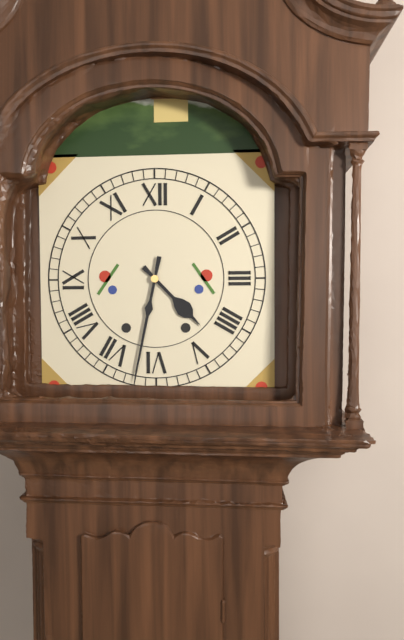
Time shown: h=4 m=32
